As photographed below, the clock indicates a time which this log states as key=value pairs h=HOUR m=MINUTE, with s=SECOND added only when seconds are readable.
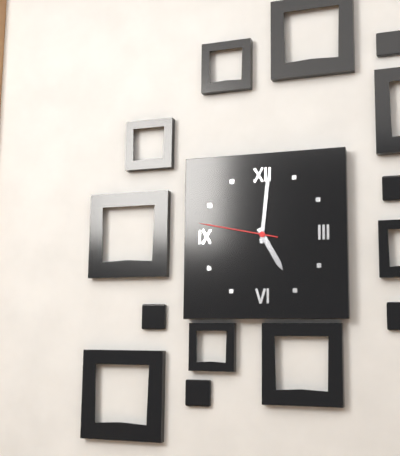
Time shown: h=5 m=1 s=47
